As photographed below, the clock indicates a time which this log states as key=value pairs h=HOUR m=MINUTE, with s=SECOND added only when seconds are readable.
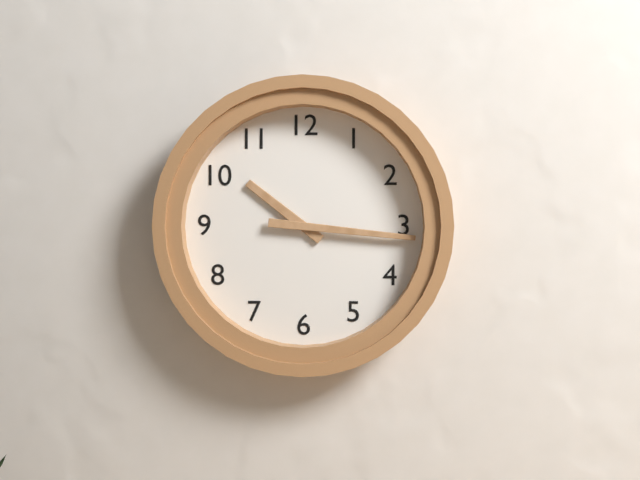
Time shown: h=10 m=16
